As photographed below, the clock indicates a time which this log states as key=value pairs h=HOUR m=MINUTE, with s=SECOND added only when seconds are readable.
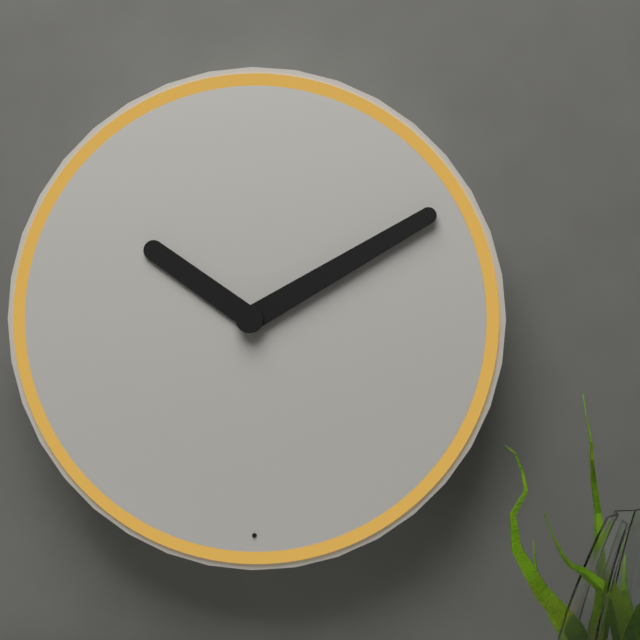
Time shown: h=10 m=10
